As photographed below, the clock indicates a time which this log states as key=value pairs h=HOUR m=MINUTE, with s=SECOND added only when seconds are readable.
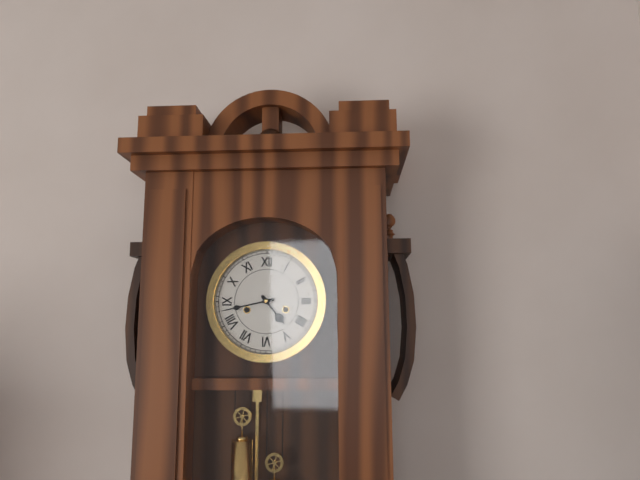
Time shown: h=4 m=43
